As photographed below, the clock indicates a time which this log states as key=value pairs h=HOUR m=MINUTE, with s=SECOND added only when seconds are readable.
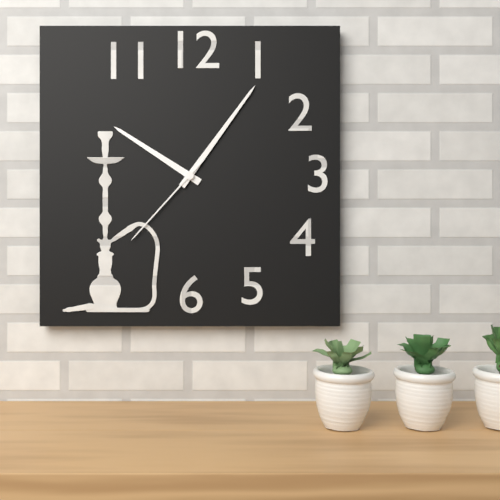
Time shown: h=10 m=6 s=37
